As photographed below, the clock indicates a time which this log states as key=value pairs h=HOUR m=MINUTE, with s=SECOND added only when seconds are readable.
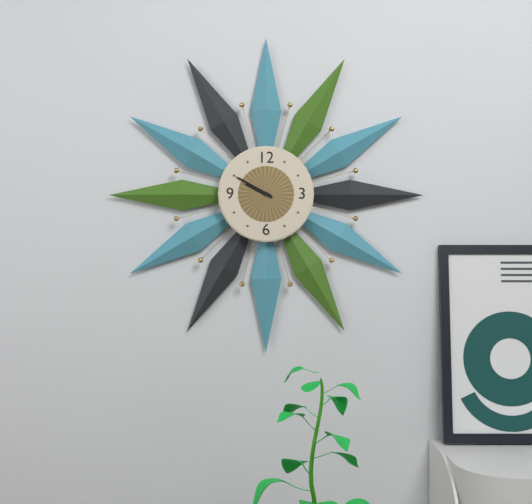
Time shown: h=9 m=50
